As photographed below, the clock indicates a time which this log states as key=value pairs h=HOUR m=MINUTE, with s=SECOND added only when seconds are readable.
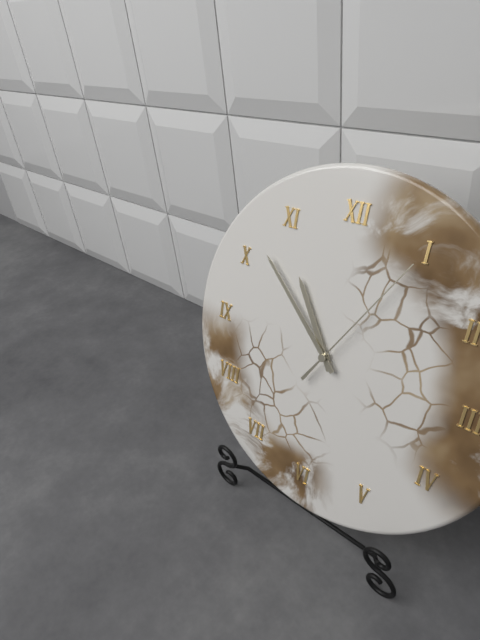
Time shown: h=10 m=52 s=5
